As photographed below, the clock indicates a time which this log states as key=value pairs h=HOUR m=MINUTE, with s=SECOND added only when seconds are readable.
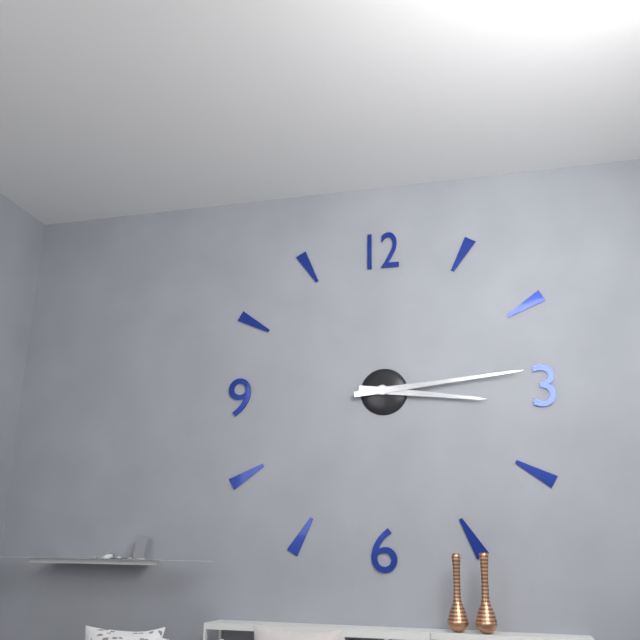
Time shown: h=3 m=14
